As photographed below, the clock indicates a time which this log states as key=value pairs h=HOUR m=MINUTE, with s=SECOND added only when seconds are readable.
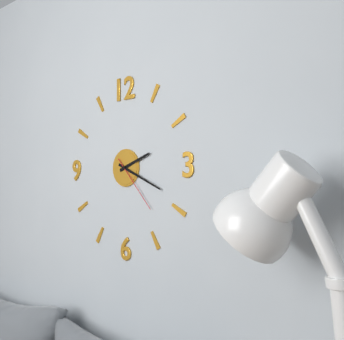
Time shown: h=2 m=19 s=23
